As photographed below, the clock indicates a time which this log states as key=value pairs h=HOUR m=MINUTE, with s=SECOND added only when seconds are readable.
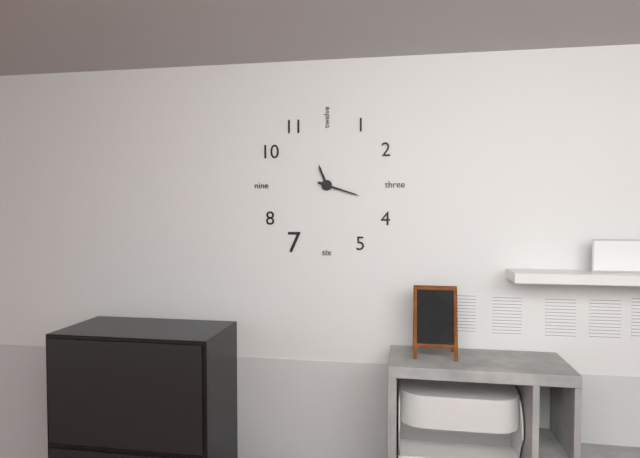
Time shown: h=11 m=18
